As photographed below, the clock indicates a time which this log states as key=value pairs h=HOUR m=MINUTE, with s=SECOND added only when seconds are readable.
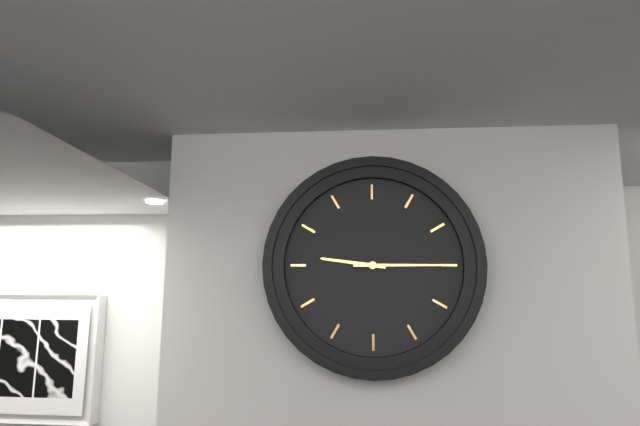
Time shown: h=9 m=15
